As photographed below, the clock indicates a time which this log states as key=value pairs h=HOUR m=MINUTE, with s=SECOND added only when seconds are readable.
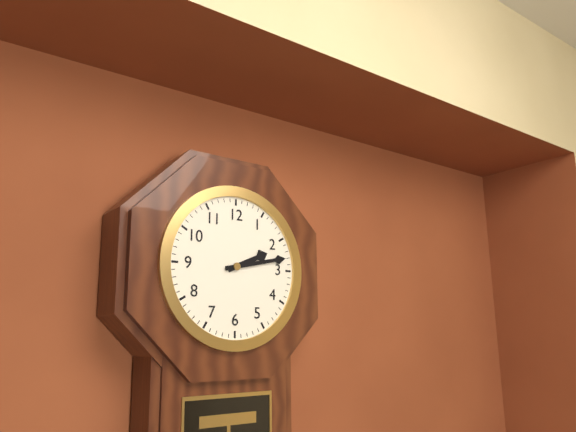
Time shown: h=2 m=13
